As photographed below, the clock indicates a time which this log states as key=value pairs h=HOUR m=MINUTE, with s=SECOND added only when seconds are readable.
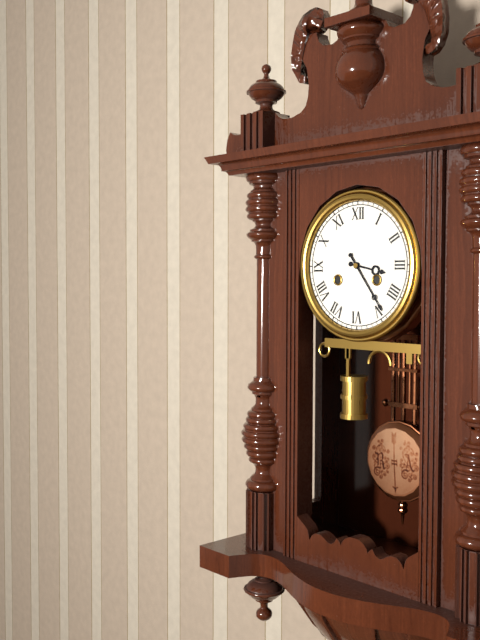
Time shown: h=3 m=24
